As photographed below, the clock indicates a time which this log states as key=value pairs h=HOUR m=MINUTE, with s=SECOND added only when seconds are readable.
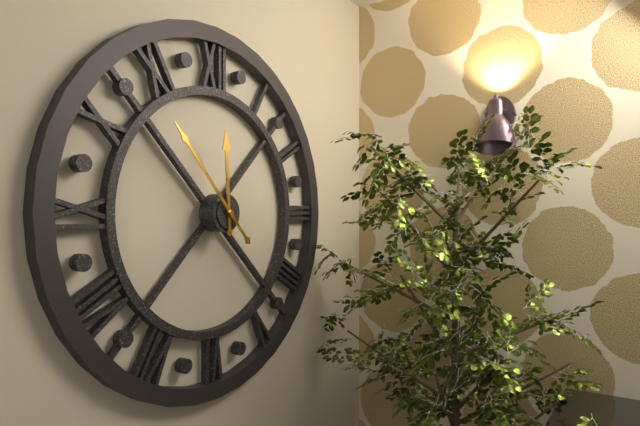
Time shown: h=11 m=53
